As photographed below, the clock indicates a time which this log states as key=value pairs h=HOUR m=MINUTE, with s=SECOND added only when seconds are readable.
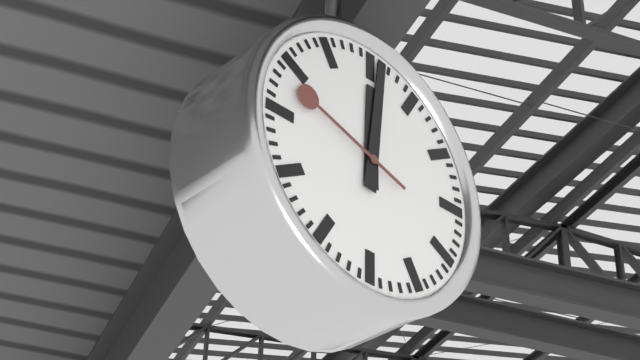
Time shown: h=12 m=1 s=48
